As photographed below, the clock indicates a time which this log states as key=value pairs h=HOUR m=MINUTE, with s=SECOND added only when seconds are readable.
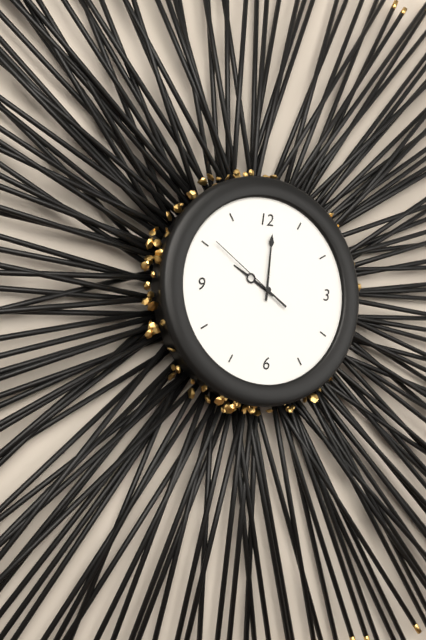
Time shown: h=10 m=1 s=51
